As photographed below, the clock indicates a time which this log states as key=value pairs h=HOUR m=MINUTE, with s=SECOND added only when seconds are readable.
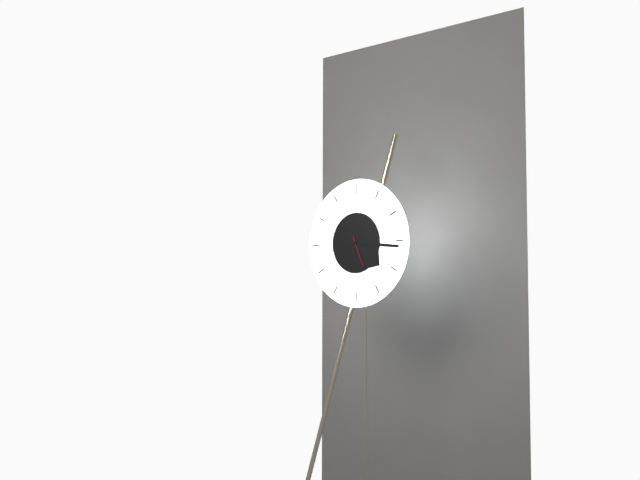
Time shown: h=4 m=16 s=26
